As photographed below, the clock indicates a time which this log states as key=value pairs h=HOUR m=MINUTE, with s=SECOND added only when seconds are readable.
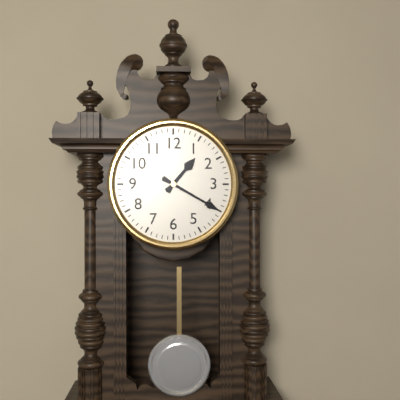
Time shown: h=1 m=20
